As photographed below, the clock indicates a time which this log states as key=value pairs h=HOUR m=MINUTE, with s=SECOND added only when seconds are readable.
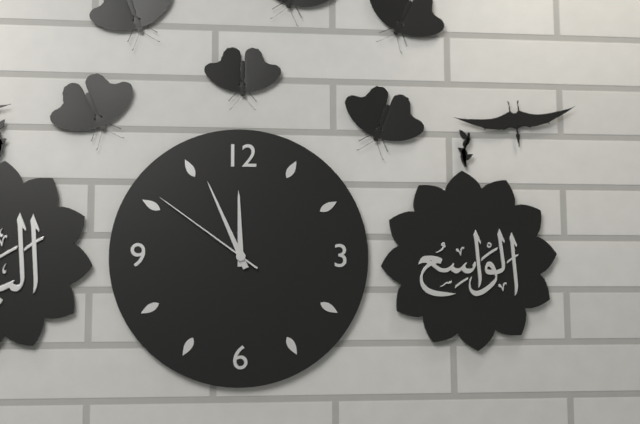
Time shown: h=11 m=56 s=51
